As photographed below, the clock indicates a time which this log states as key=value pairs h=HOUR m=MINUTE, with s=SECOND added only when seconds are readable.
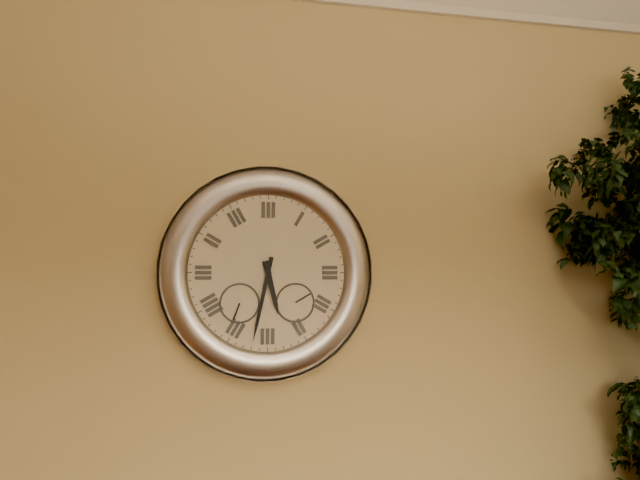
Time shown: h=5 m=32
